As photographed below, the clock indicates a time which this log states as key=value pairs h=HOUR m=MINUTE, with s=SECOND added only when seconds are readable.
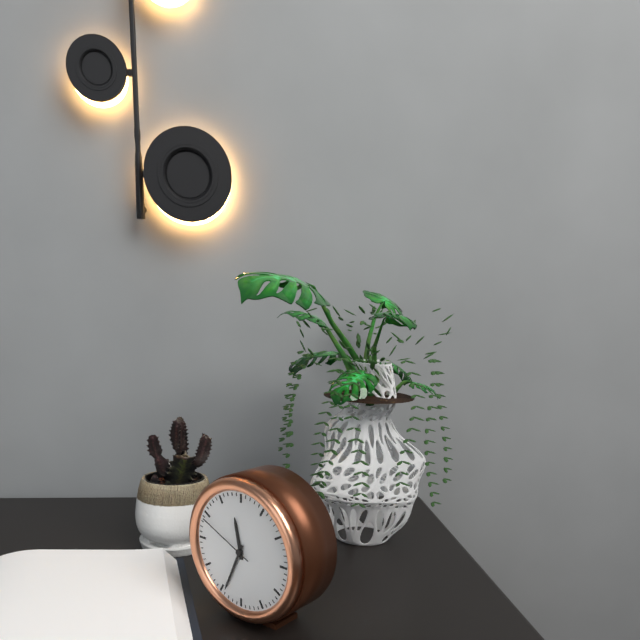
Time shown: h=11 m=34 s=49
